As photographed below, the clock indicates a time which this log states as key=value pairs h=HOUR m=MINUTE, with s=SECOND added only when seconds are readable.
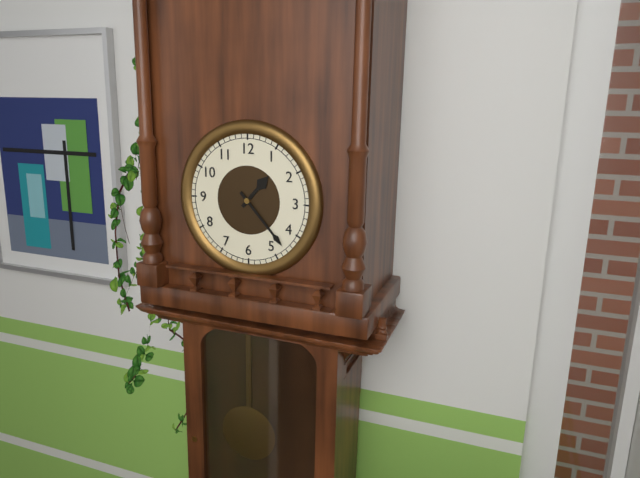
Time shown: h=1 m=23
